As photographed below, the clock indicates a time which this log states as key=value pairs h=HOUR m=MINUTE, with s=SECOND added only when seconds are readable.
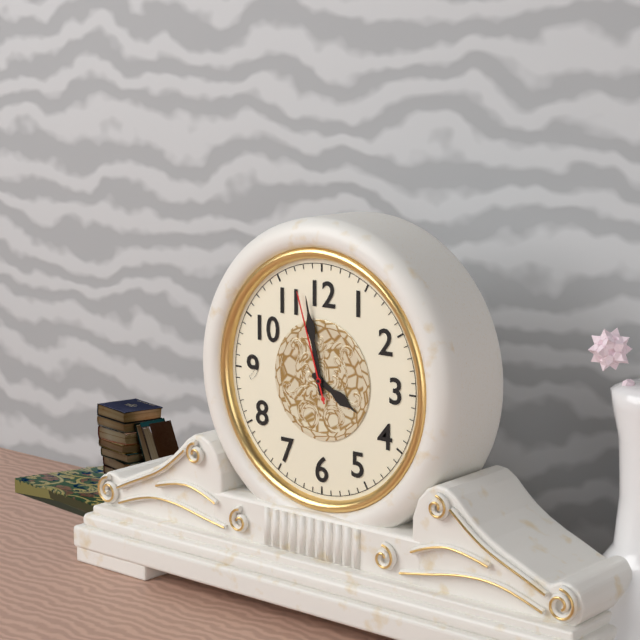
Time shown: h=3 m=58 s=57
